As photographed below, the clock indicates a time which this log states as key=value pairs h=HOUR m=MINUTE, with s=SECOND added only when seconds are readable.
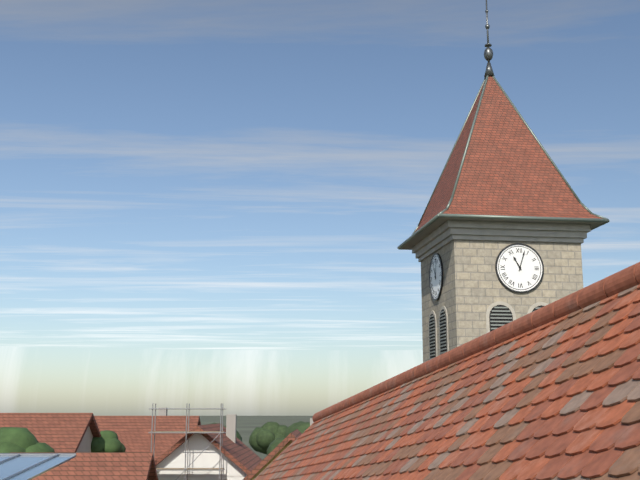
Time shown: h=11 m=3
